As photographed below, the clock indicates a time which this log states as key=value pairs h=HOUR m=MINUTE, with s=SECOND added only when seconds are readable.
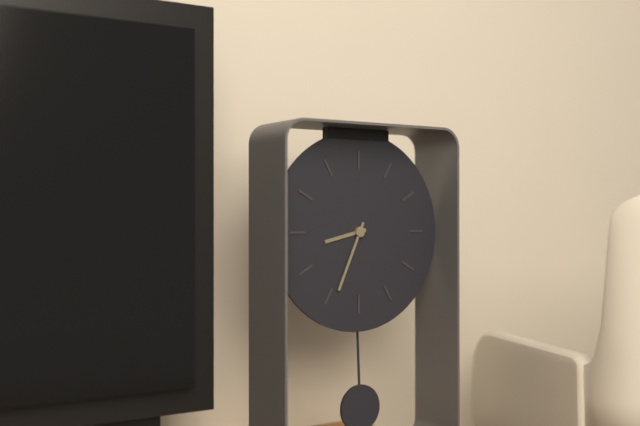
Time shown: h=8 m=34
